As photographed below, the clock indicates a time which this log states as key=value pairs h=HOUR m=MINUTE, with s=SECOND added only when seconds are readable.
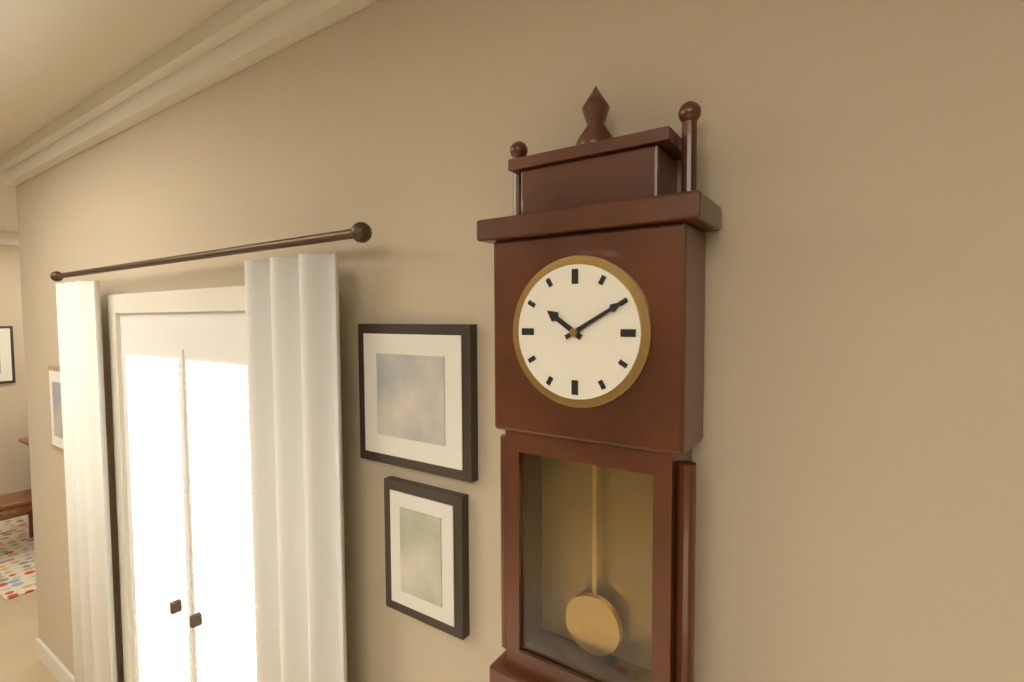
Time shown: h=10 m=10
